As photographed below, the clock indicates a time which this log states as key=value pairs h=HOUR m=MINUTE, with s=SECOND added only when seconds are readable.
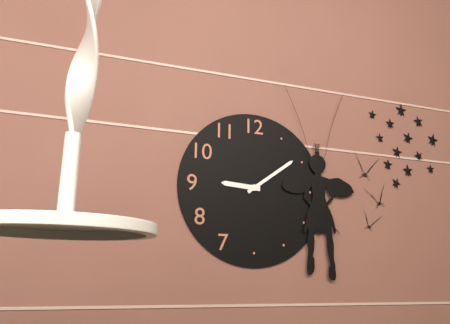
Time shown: h=9 m=9
